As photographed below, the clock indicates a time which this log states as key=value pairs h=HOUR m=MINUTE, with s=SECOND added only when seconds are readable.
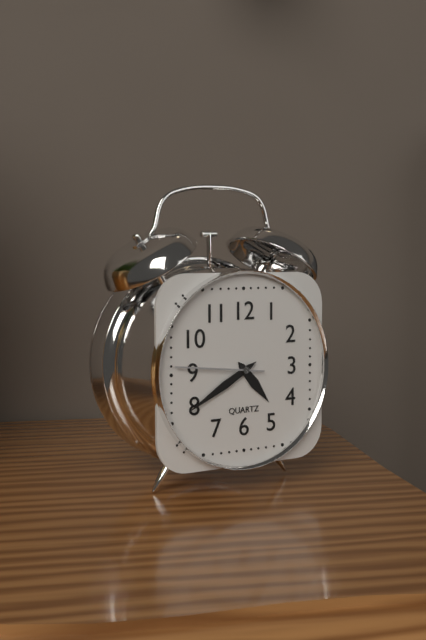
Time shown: h=4 m=40 s=46
